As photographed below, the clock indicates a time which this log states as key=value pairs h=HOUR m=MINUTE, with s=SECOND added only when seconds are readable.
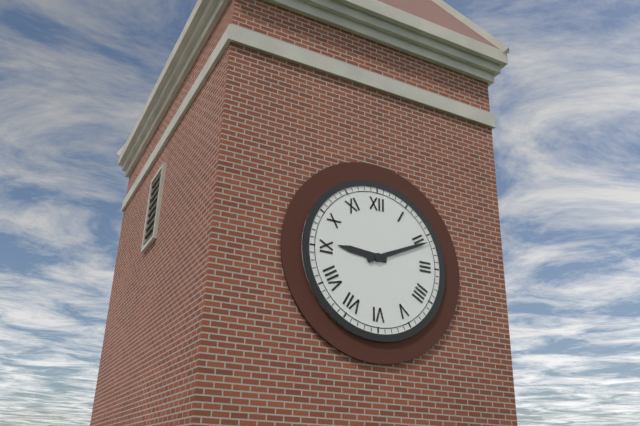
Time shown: h=9 m=11
